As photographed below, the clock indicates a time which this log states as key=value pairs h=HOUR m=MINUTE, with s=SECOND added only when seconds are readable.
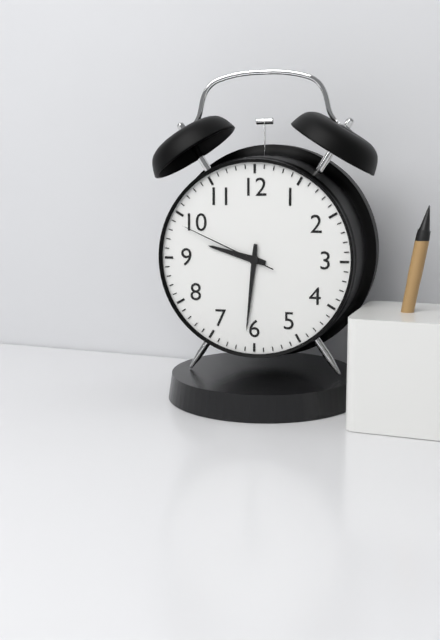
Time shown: h=9 m=31 s=49
